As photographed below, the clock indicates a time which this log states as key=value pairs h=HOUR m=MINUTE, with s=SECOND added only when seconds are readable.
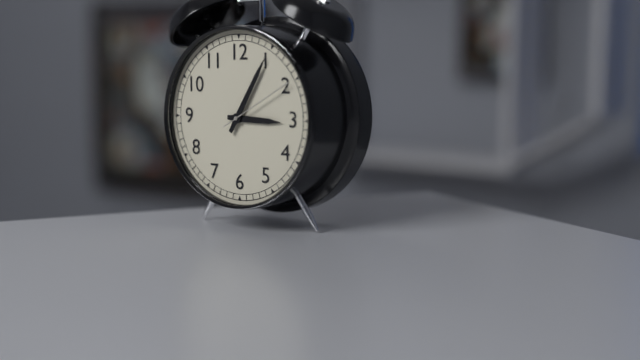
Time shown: h=3 m=5 s=10
